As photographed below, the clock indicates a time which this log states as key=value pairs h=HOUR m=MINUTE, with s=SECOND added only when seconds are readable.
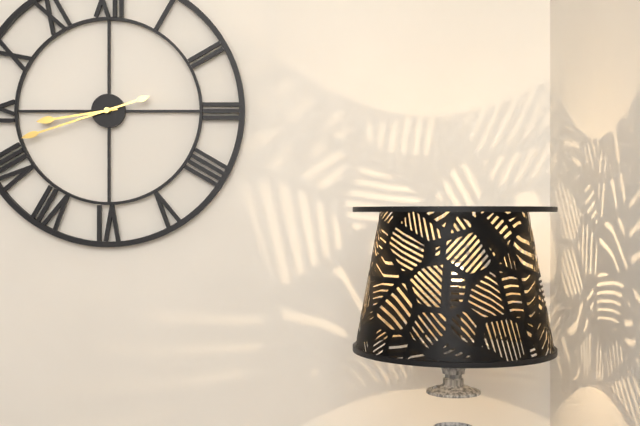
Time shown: h=8 m=42
